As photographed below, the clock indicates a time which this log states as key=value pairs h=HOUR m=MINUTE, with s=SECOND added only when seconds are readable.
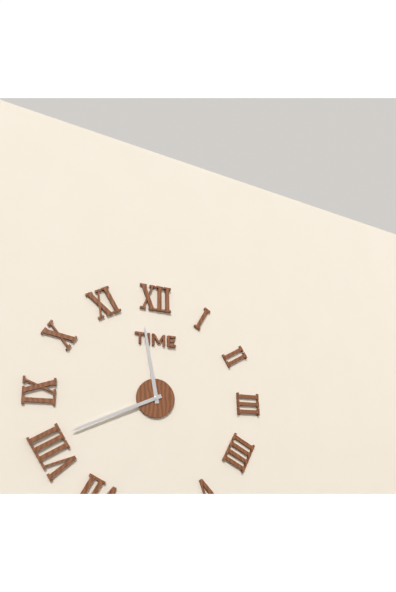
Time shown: h=11 m=41
